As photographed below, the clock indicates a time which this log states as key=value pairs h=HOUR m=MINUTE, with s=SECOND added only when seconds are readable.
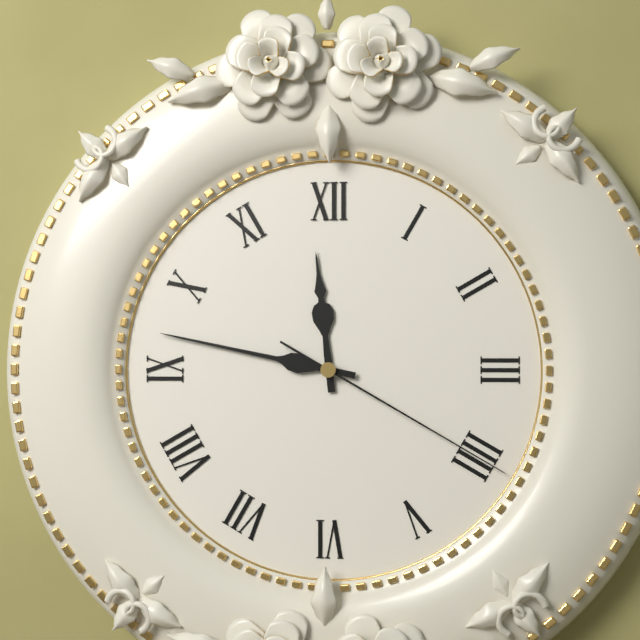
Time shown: h=11 m=47 s=20
